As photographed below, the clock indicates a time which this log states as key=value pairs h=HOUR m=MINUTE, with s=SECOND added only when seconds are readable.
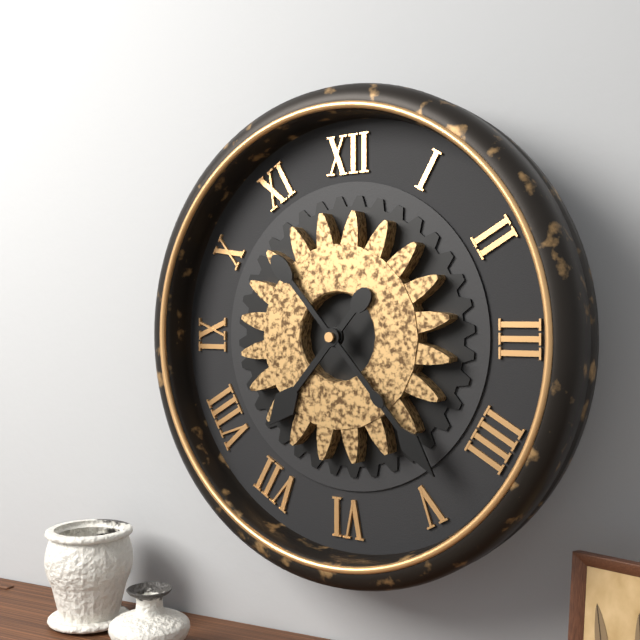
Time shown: h=7 m=23
